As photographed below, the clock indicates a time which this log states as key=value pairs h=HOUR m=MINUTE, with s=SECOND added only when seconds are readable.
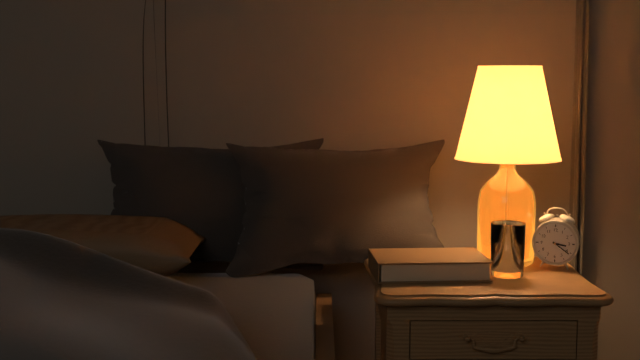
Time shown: h=3 m=21
